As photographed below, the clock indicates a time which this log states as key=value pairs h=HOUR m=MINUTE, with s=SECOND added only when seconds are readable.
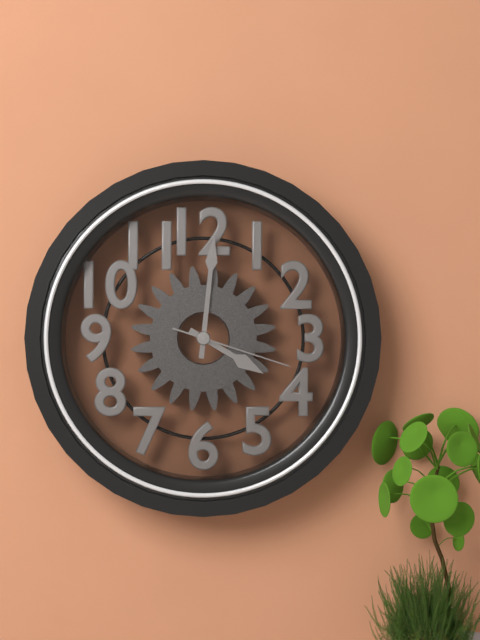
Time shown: h=4 m=1 s=18
